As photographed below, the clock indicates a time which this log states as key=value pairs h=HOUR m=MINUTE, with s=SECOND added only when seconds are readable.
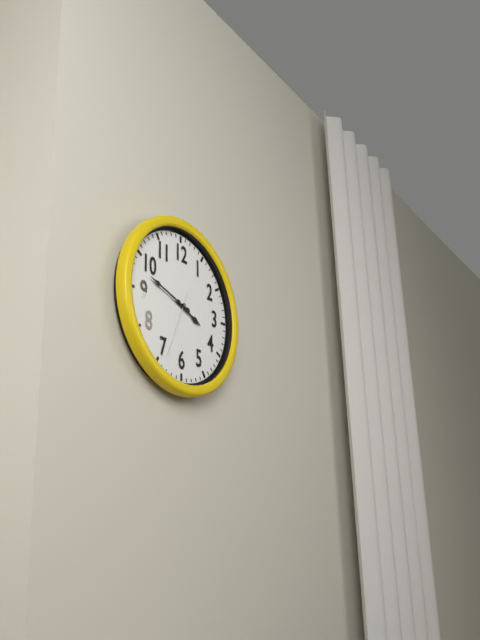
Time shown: h=3 m=48 s=34
